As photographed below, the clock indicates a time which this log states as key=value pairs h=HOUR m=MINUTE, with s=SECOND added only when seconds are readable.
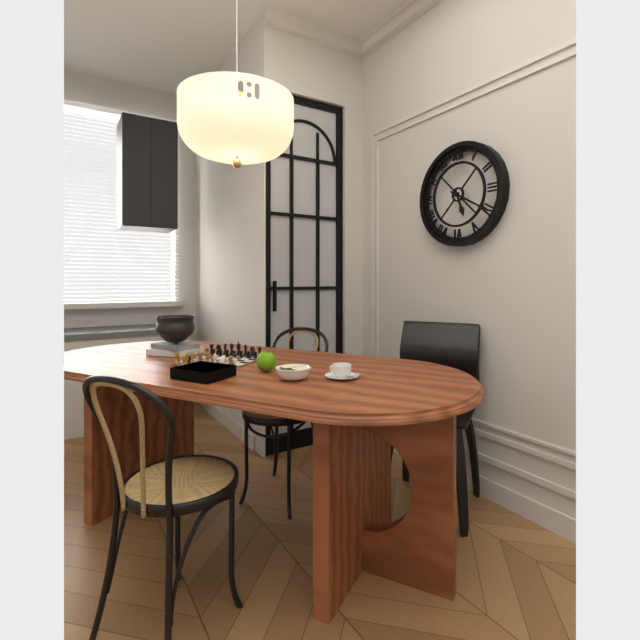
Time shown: h=5 m=20
